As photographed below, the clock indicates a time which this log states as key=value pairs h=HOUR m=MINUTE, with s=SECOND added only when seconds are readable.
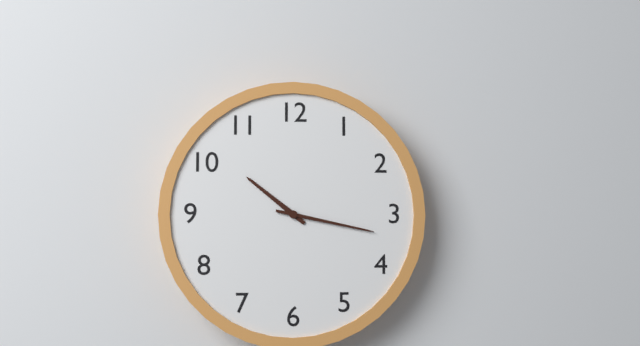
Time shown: h=10 m=17
